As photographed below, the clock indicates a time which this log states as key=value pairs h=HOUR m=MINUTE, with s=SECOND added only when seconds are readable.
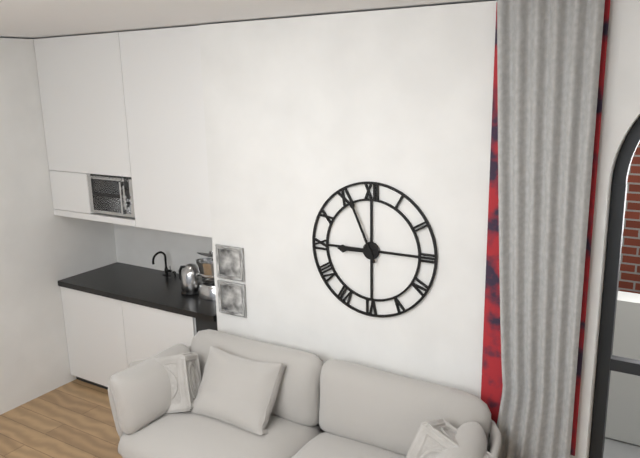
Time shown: h=8 m=56
